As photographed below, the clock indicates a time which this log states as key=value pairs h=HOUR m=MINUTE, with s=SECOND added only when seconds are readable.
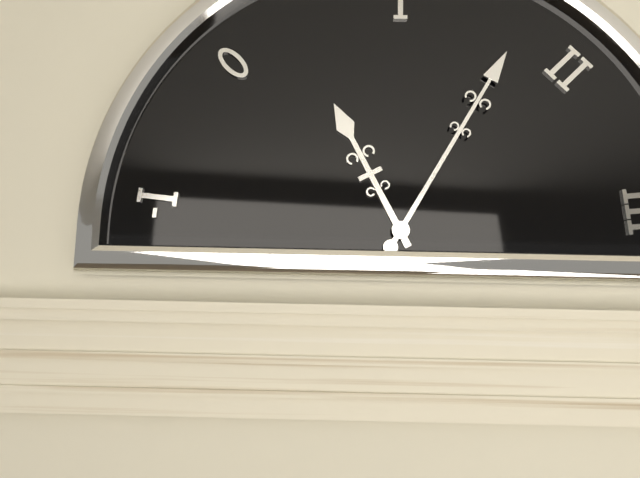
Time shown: h=11 m=5
